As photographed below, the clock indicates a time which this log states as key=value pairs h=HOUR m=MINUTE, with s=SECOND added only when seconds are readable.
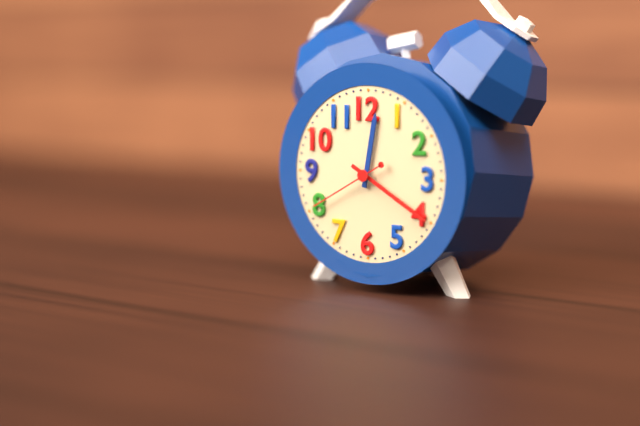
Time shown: h=12 m=20 s=40
